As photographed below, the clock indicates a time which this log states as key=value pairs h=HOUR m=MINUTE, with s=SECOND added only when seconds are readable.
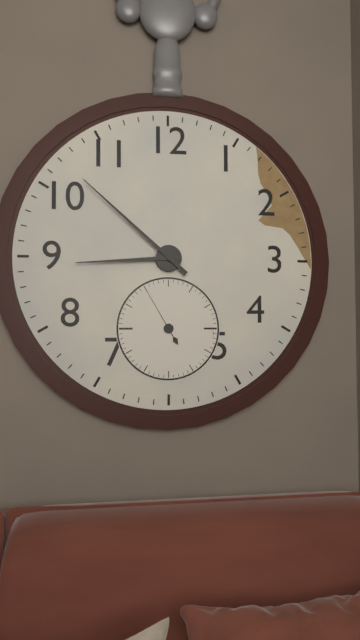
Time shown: h=8 m=52 s=55
